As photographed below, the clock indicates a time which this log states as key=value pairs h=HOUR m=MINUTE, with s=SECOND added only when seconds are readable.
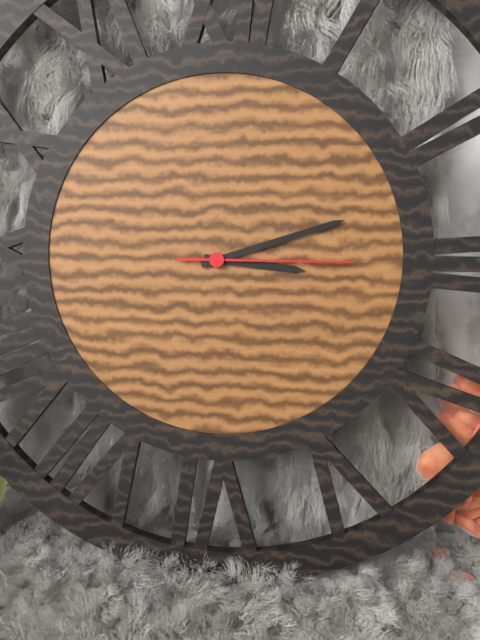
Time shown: h=3 m=12 s=15
